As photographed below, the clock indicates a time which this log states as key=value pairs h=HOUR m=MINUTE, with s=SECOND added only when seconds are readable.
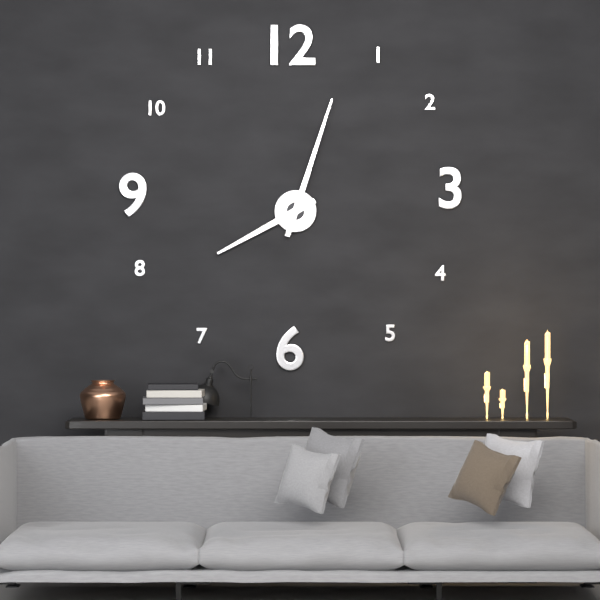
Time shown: h=8 m=3
